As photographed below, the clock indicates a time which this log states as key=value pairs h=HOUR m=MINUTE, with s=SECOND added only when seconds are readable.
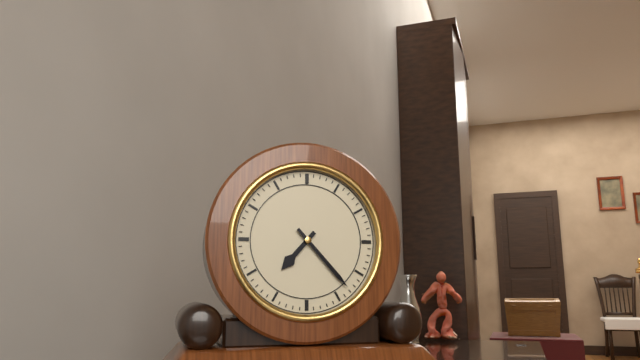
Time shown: h=7 m=23
